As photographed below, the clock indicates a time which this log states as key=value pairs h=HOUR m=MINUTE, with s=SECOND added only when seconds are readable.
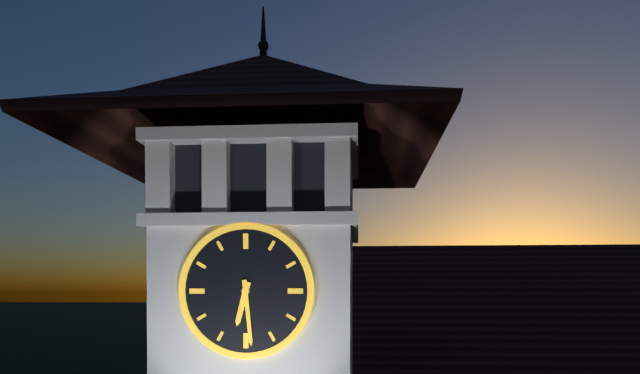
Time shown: h=6 m=29
